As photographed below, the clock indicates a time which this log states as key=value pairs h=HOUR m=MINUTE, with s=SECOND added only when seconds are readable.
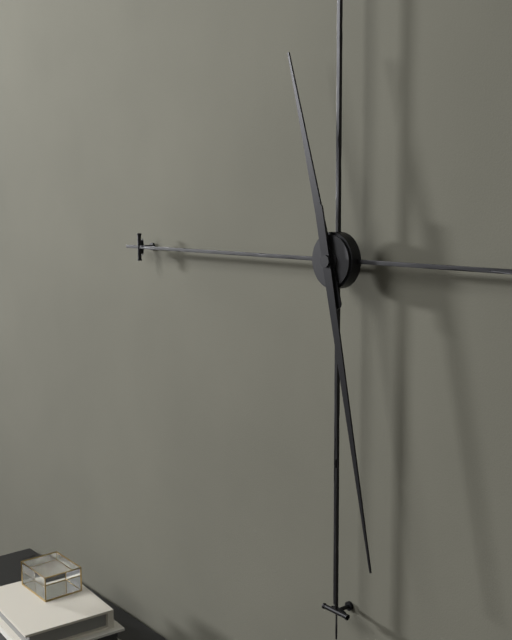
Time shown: h=11 m=28
